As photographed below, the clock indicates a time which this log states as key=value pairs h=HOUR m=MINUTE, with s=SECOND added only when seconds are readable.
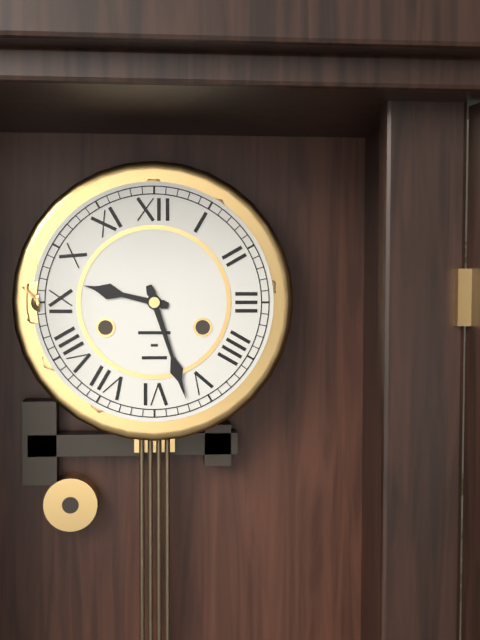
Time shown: h=9 m=27
